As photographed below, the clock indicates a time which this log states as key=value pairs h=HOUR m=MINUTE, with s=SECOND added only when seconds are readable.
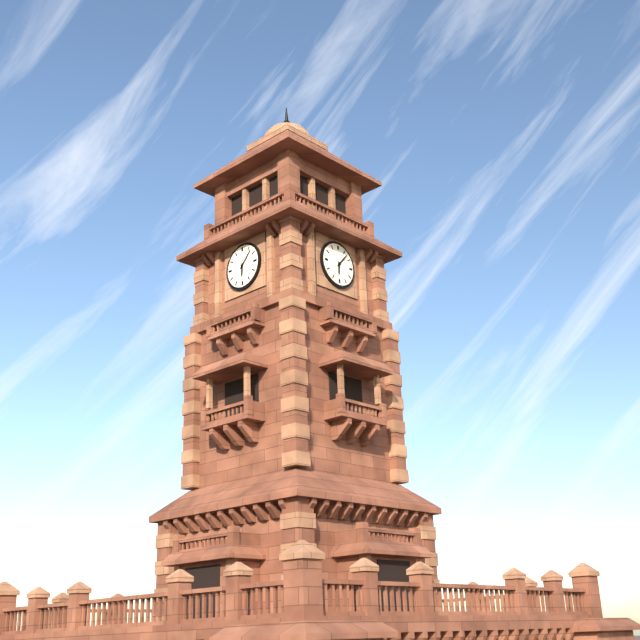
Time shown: h=6 m=7
